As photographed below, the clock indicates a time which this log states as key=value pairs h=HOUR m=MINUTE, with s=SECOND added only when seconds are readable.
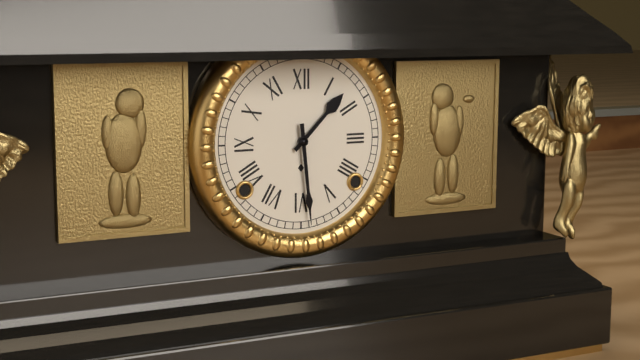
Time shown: h=1 m=29
